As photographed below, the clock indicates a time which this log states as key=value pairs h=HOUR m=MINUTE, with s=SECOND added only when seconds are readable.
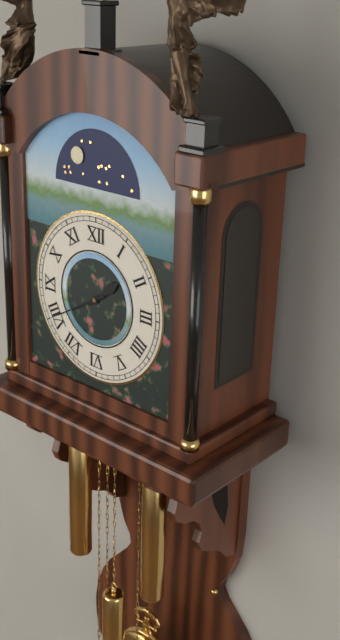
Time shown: h=1 m=40
